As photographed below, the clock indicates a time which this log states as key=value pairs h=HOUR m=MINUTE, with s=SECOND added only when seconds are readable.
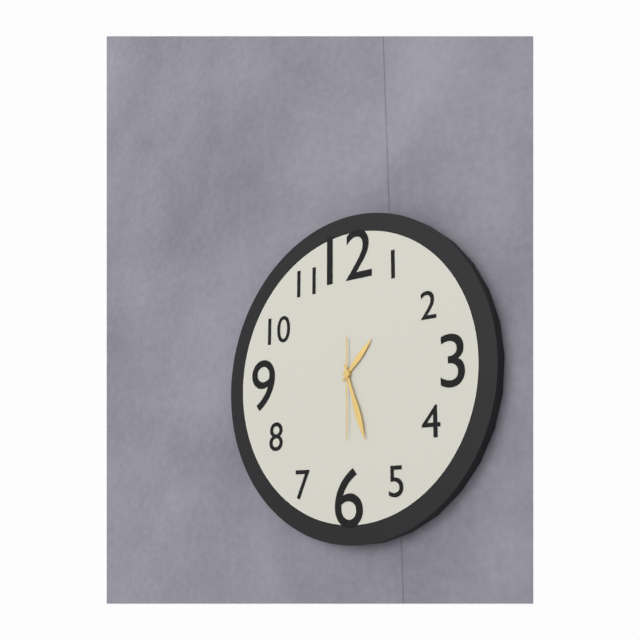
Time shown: h=1 m=27 s=30
